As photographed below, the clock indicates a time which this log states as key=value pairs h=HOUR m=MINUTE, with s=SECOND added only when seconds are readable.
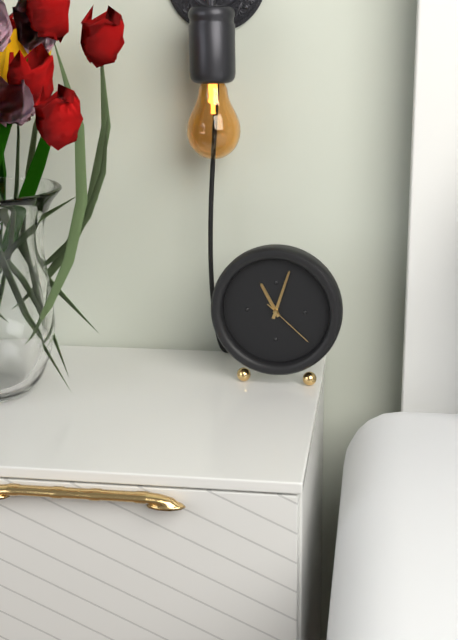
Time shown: h=11 m=3 s=22
